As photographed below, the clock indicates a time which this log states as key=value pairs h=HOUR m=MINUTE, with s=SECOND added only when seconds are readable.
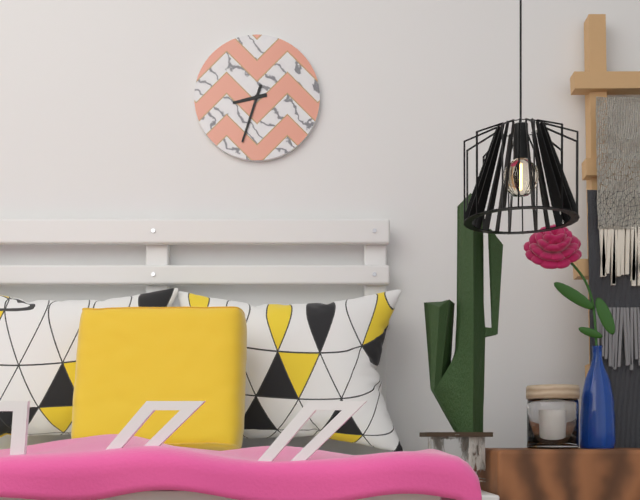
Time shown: h=8 m=33
